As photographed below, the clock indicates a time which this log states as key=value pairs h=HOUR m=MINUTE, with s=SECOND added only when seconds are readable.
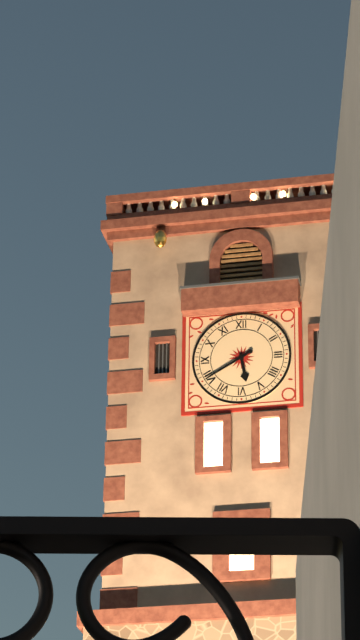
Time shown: h=5 m=40
